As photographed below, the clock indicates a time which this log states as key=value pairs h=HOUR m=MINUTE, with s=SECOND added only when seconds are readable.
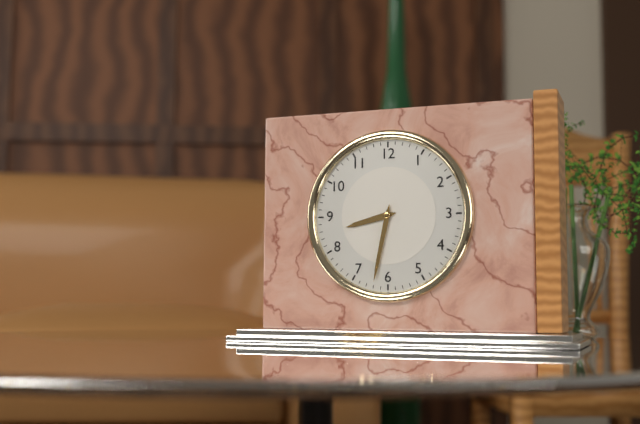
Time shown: h=8 m=32
